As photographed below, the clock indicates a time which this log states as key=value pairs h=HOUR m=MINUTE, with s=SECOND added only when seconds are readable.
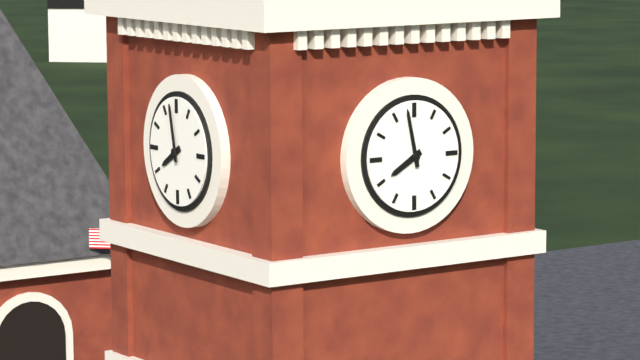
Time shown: h=7 m=58
